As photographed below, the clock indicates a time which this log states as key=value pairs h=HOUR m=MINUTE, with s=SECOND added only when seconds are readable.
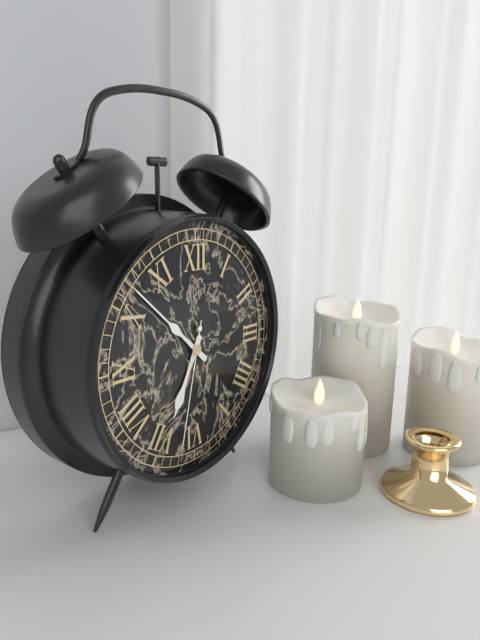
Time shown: h=6 m=52 s=32
